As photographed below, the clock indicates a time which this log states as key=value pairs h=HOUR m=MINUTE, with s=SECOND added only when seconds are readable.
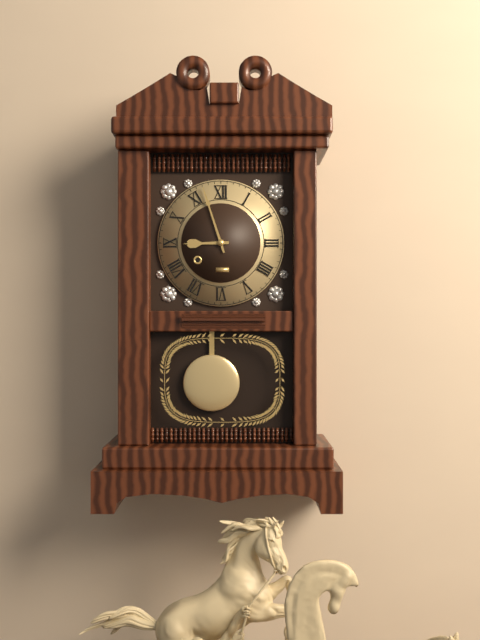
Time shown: h=8 m=57
